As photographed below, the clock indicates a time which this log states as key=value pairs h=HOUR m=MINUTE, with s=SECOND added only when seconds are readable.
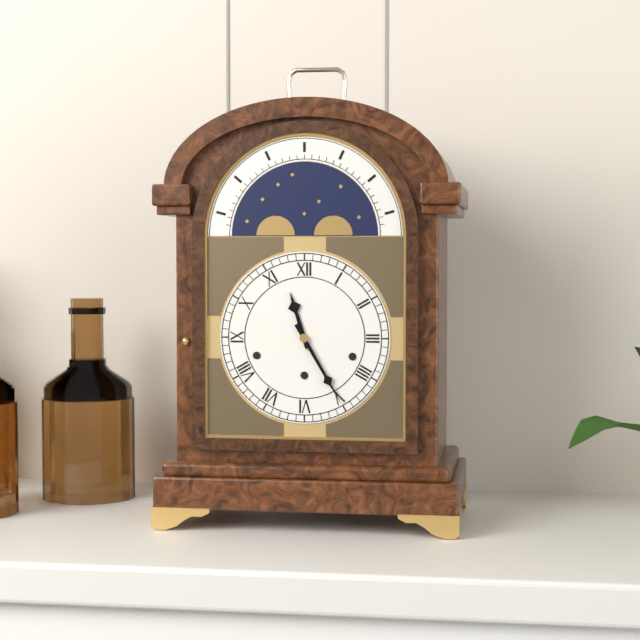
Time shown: h=11 m=25
